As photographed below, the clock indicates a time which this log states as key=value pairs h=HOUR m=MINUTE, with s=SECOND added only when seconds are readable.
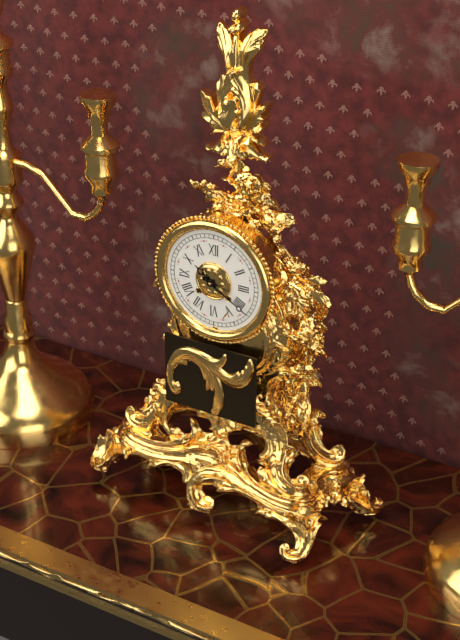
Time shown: h=10 m=20
